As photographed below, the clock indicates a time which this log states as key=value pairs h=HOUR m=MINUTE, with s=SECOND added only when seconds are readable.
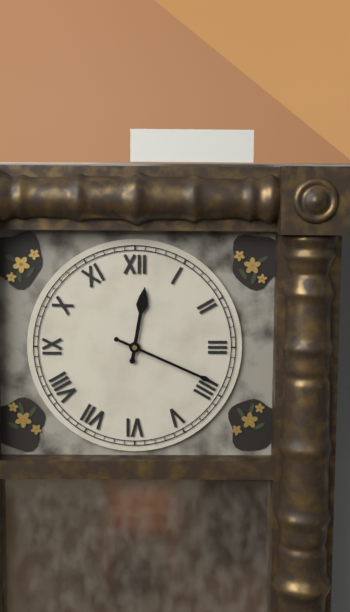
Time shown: h=12 m=19
